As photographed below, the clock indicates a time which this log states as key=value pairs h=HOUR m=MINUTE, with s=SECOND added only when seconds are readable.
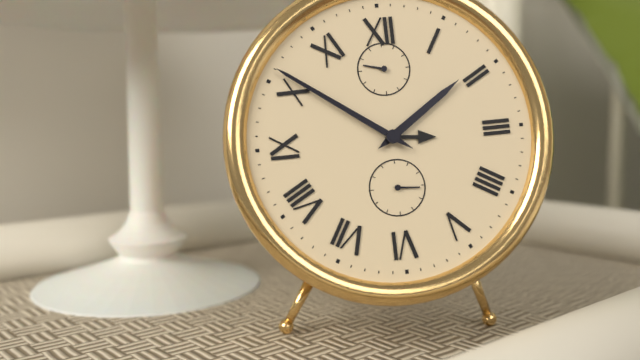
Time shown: h=1 m=51
